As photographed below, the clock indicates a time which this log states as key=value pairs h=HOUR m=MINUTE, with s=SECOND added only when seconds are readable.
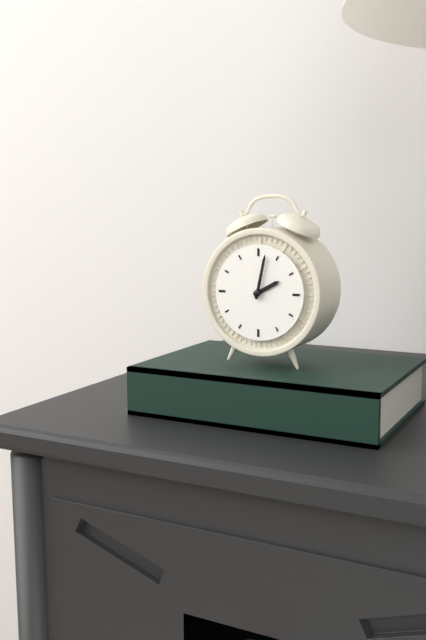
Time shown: h=2 m=2
